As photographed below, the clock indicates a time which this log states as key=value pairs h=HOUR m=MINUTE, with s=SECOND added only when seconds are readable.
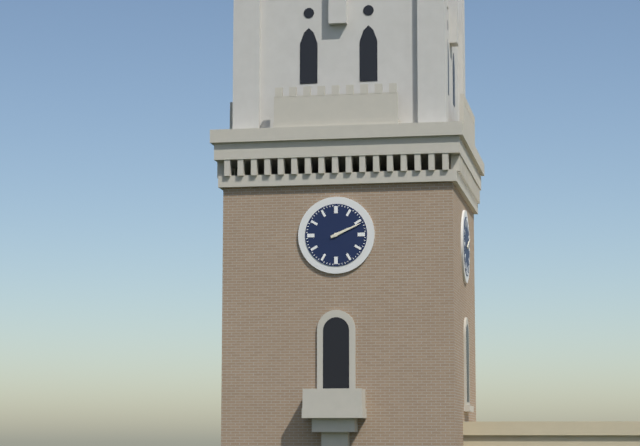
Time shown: h=2 m=11
